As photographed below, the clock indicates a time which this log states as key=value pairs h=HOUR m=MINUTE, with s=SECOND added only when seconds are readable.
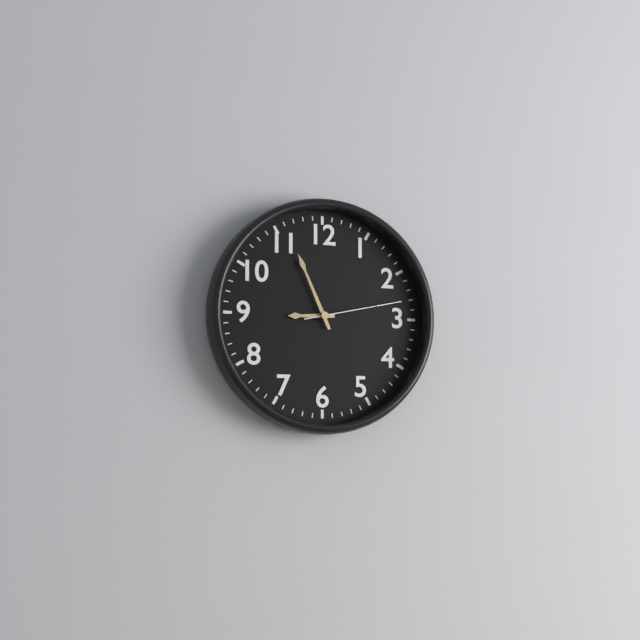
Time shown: h=8 m=56 s=13
